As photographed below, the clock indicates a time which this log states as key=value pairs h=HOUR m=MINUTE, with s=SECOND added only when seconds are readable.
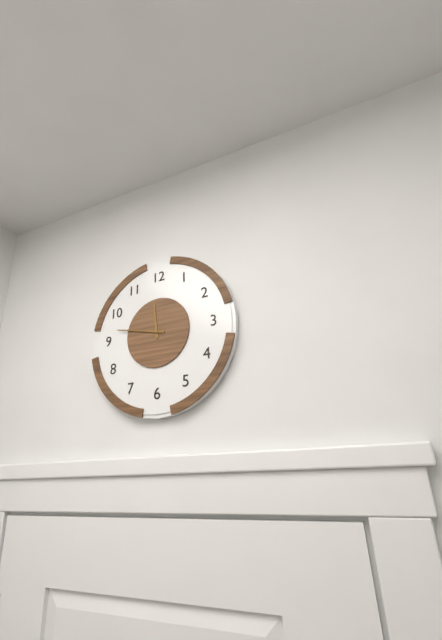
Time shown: h=11 m=47
